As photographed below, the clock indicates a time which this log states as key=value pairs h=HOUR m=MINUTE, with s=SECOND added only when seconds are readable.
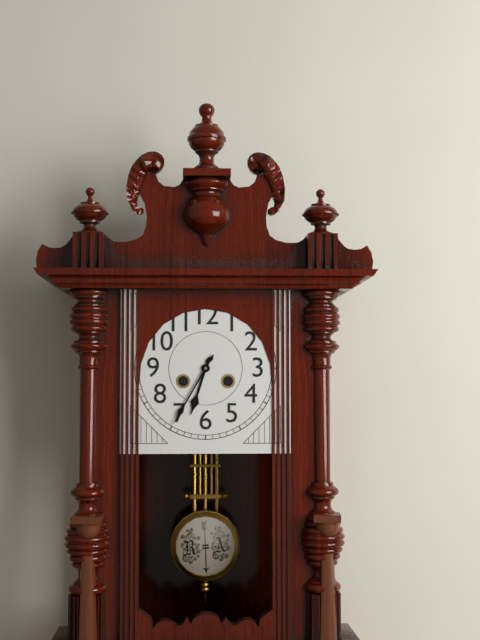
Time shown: h=6 m=35
